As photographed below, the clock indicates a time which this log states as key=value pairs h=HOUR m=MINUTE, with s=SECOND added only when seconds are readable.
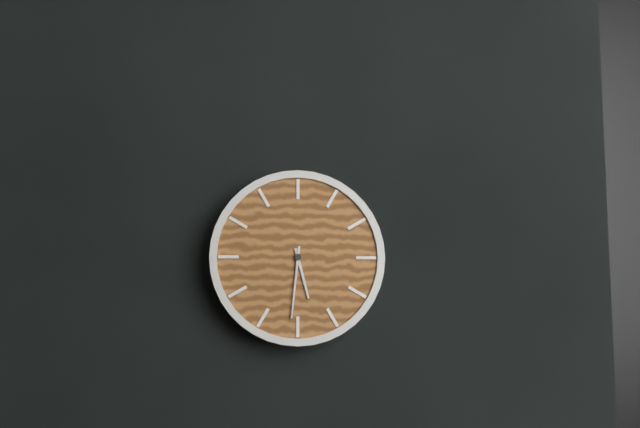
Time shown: h=5 m=31
